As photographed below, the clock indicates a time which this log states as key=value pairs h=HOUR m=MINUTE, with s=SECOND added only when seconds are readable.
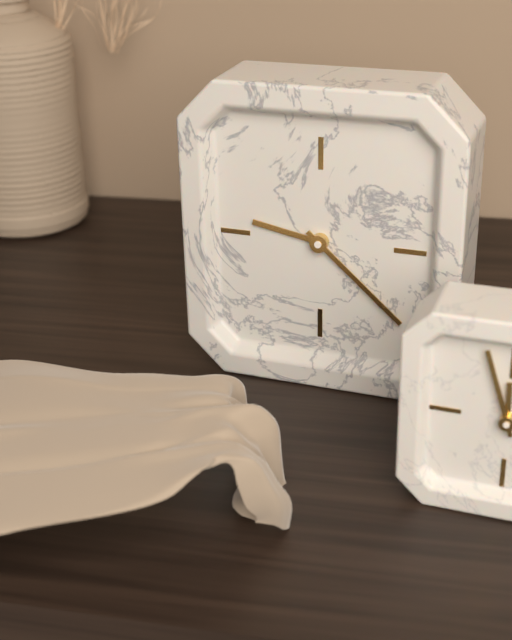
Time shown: h=9 m=22
